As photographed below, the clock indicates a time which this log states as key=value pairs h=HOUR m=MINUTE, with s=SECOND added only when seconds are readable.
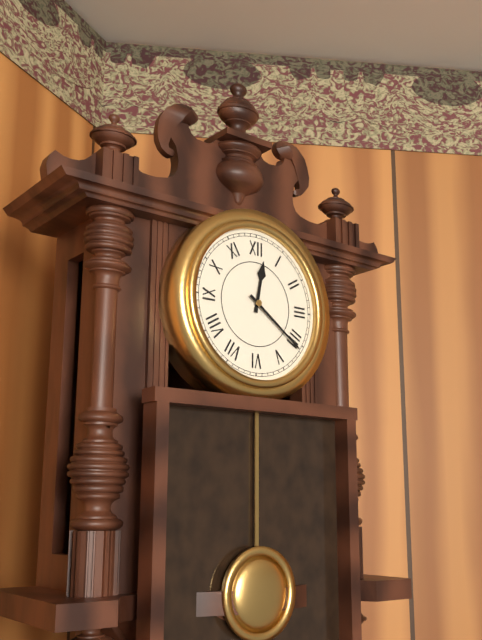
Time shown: h=12 m=21
